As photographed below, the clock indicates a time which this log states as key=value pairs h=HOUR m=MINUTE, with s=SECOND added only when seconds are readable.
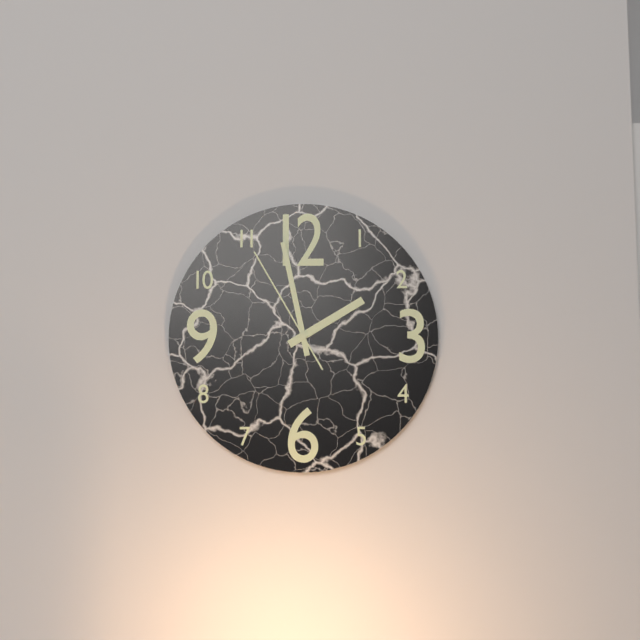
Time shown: h=1 m=58 s=55
